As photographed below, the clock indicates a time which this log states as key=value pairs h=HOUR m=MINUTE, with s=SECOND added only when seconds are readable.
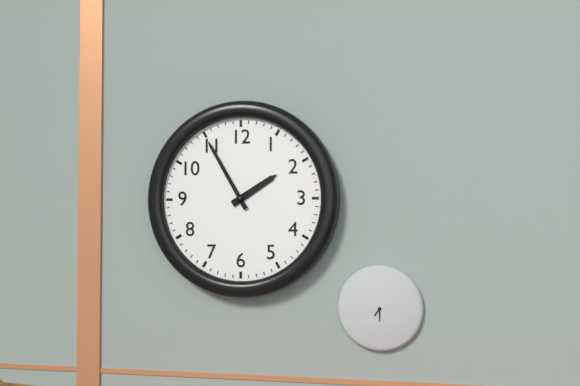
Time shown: h=1 m=55
